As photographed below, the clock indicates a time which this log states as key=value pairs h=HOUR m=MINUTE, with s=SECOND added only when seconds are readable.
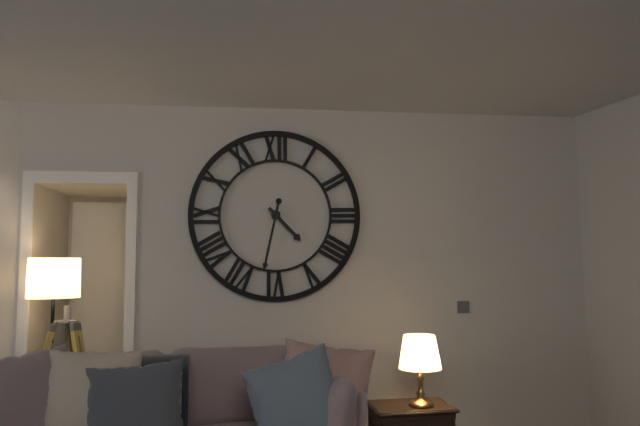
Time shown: h=4 m=32
